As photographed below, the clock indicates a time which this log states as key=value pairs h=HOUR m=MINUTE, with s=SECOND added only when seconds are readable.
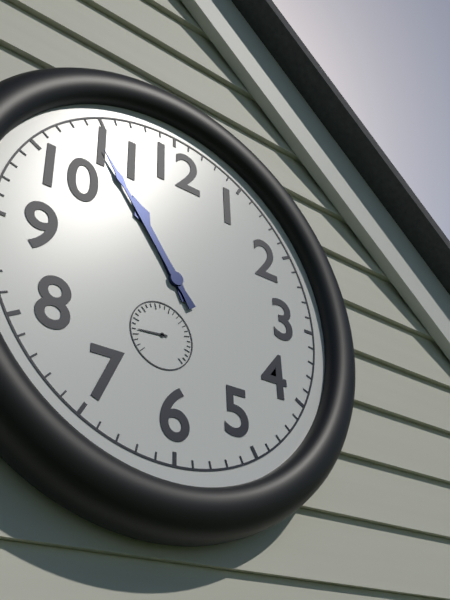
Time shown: h=10 m=54
